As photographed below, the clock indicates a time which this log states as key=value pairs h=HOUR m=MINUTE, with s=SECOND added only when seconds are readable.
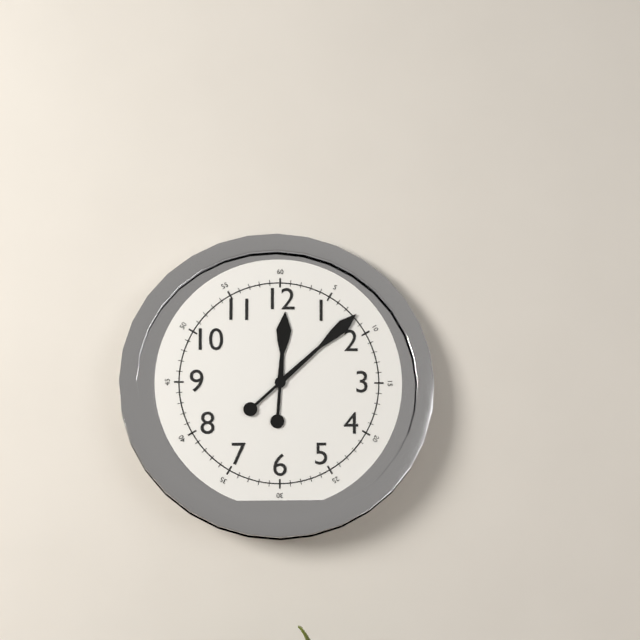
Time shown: h=12 m=8
